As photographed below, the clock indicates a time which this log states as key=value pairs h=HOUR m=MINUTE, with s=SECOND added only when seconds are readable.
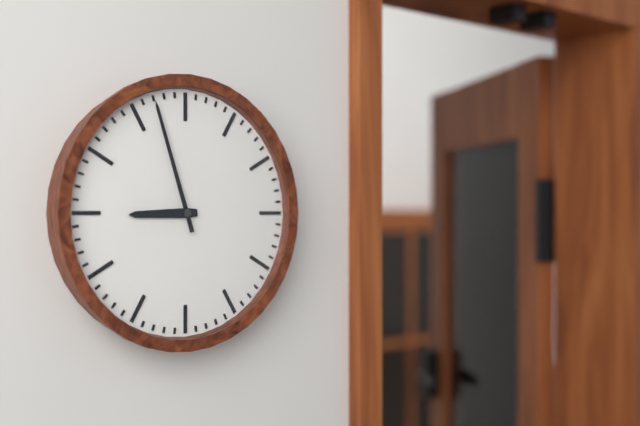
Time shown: h=8 m=57
